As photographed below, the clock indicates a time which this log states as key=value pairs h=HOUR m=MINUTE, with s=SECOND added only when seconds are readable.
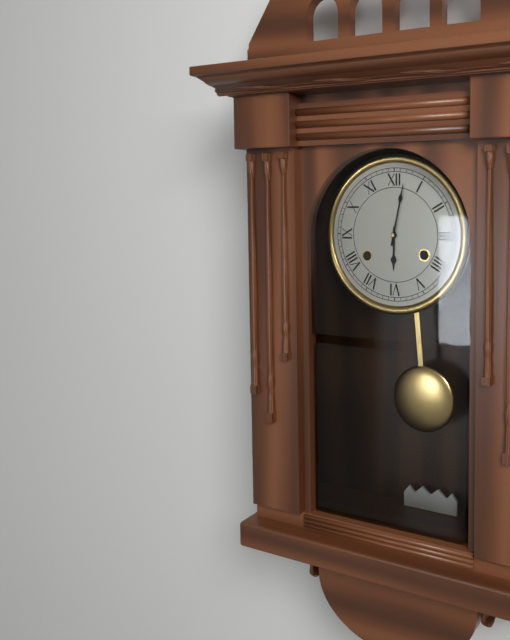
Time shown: h=6 m=2
